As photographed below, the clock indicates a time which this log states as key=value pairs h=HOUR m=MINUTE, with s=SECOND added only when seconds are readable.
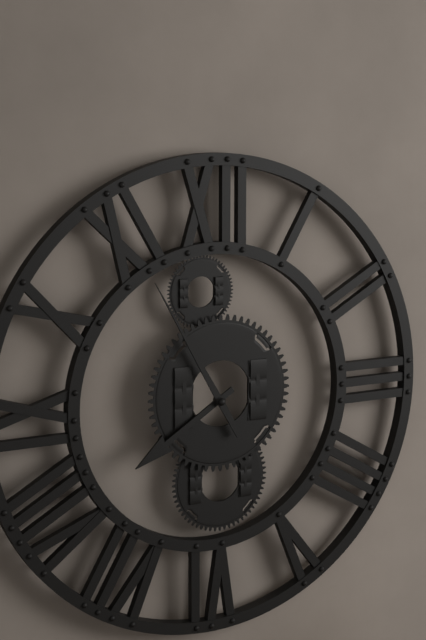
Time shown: h=7 m=55
